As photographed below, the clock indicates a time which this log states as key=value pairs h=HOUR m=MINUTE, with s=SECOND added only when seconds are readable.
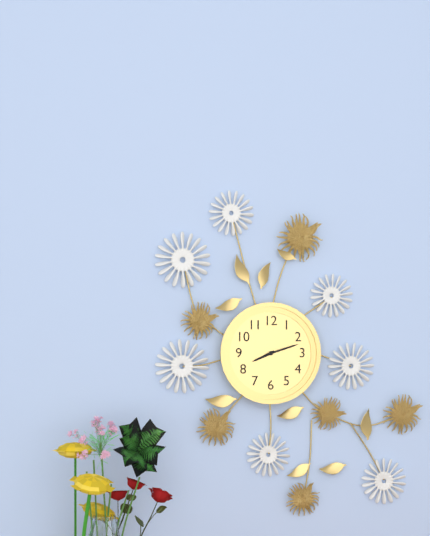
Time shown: h=8 m=12
